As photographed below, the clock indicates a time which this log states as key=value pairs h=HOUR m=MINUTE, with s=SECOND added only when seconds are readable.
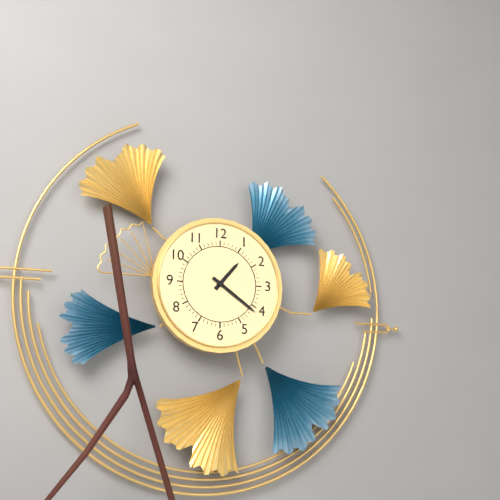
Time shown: h=1 m=21
